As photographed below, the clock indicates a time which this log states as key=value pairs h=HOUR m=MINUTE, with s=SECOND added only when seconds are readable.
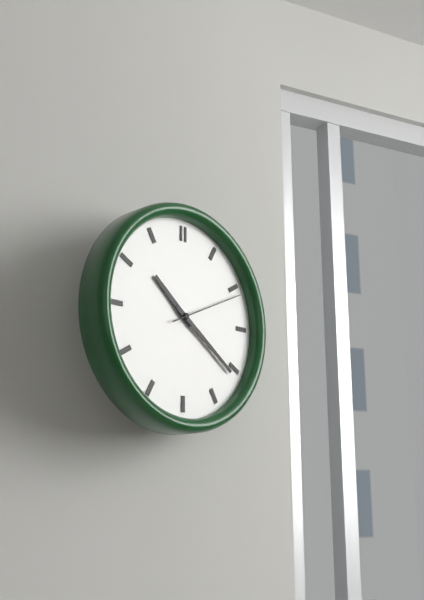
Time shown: h=10 m=21 s=11
